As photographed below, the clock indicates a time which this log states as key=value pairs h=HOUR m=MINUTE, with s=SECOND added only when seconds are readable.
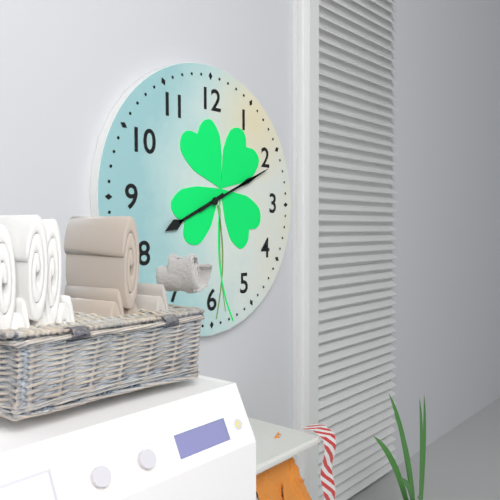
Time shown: h=8 m=11
